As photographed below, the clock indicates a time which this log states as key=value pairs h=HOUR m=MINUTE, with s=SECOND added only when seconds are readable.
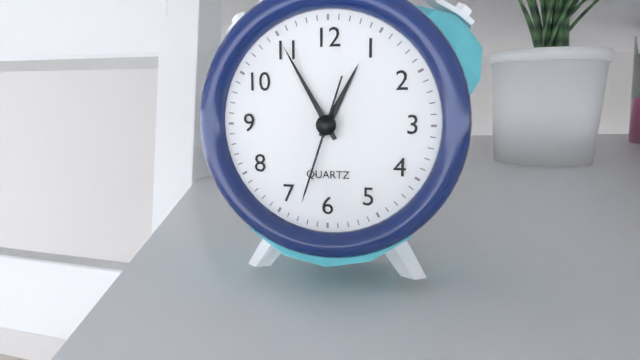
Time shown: h=12 m=55 s=33
